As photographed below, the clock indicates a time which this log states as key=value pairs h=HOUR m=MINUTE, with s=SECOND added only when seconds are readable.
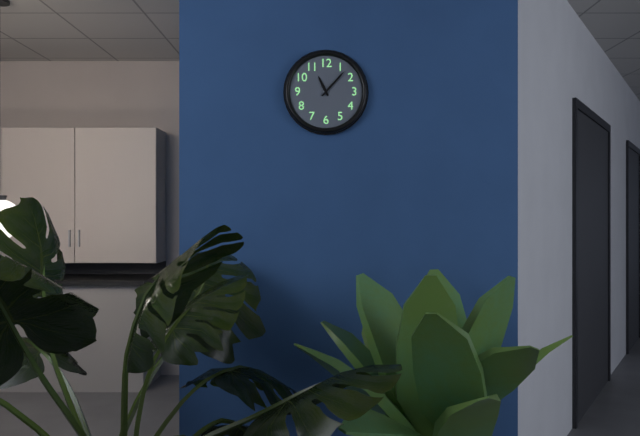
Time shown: h=11 m=7
